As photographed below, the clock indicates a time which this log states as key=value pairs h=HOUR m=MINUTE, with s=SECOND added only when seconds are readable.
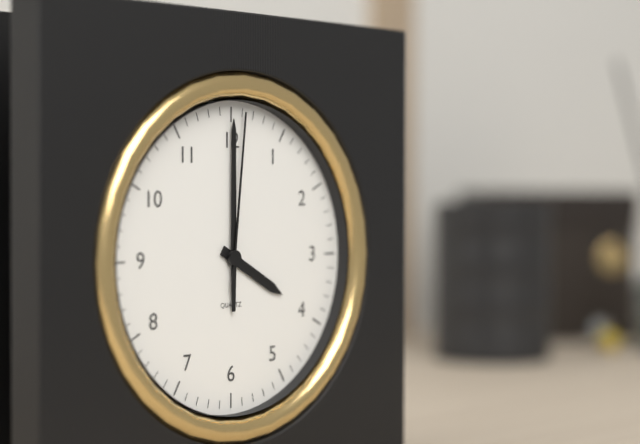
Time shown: h=4 m=0 s=1
